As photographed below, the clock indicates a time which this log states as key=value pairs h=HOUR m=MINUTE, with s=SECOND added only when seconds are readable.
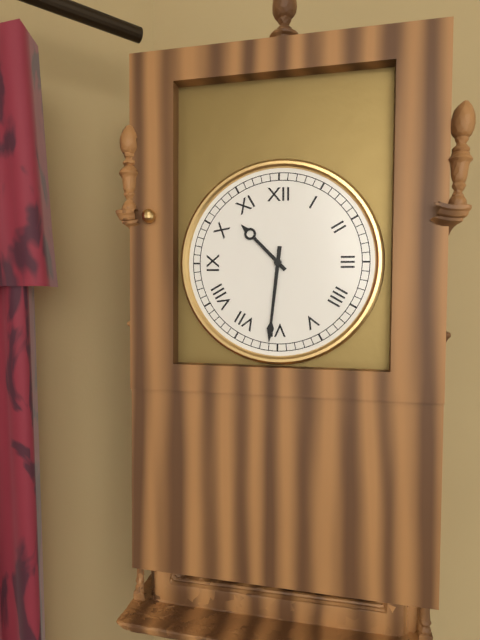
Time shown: h=10 m=31
